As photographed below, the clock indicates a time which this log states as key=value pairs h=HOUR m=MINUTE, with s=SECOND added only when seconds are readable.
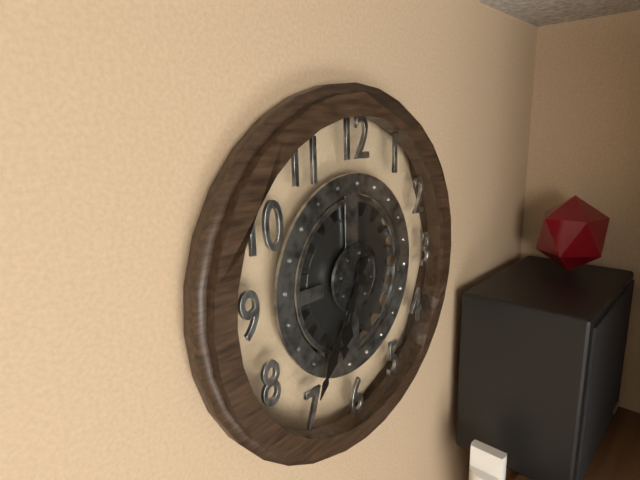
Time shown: h=6 m=35
